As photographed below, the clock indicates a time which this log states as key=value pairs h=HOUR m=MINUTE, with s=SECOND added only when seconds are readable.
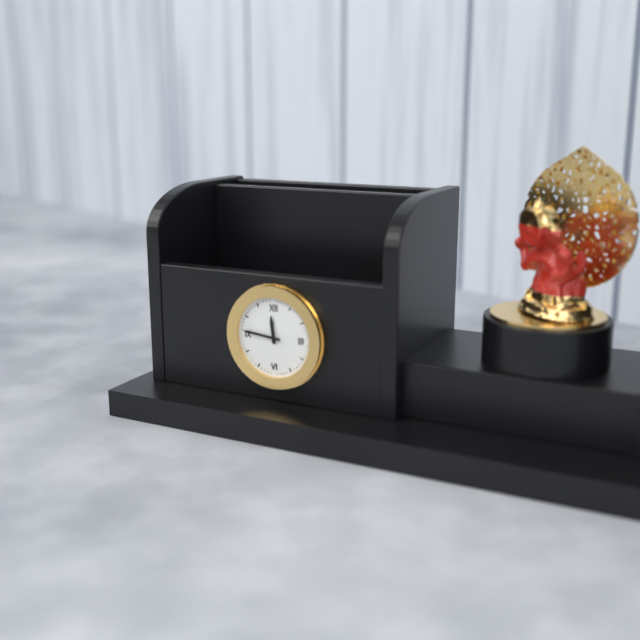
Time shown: h=11 m=46
